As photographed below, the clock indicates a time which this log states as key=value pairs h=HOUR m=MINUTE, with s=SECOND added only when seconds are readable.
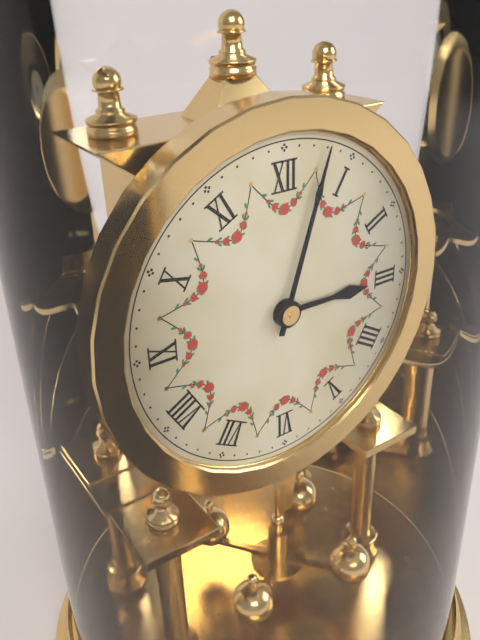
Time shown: h=3 m=3
